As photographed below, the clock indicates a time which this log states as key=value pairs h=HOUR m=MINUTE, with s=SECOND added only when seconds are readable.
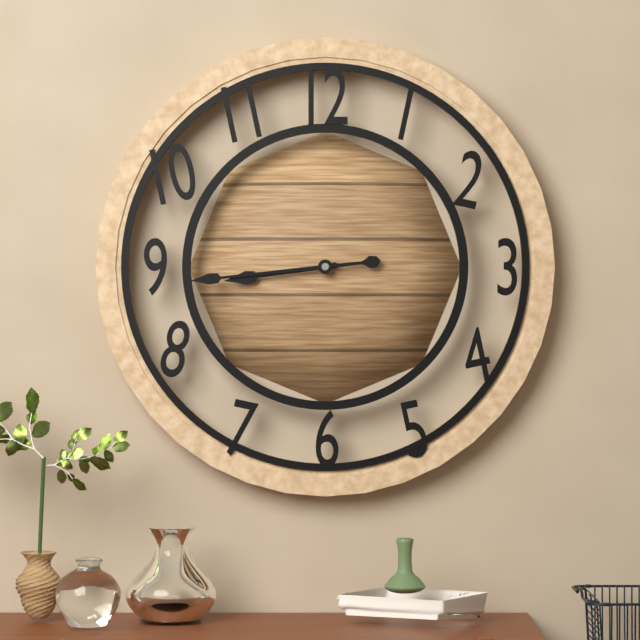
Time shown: h=8 m=44
